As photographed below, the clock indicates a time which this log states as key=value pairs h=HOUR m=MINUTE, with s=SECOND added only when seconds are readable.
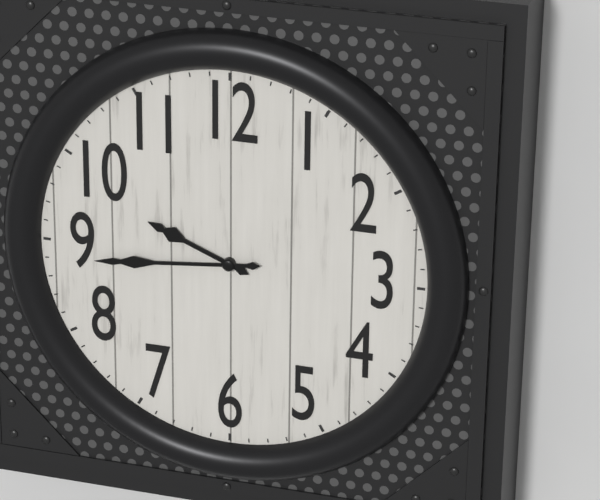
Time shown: h=9 m=44
